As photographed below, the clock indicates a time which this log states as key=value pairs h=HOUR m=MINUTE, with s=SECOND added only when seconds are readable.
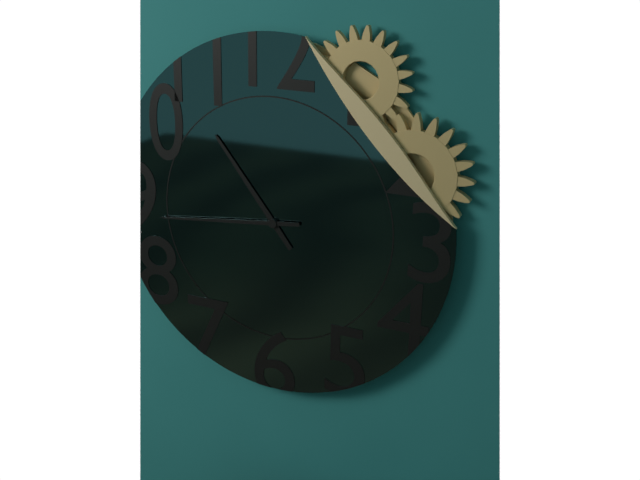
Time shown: h=10 m=44
